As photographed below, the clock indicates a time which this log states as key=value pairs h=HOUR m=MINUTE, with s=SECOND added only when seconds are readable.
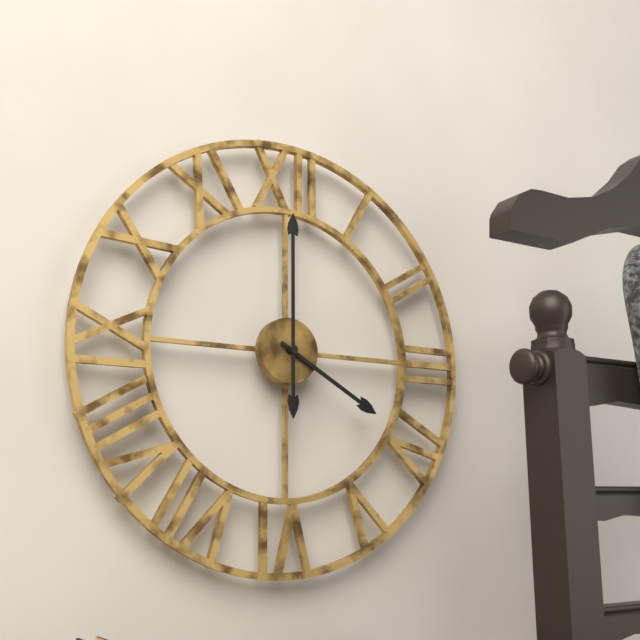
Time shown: h=4 m=0
